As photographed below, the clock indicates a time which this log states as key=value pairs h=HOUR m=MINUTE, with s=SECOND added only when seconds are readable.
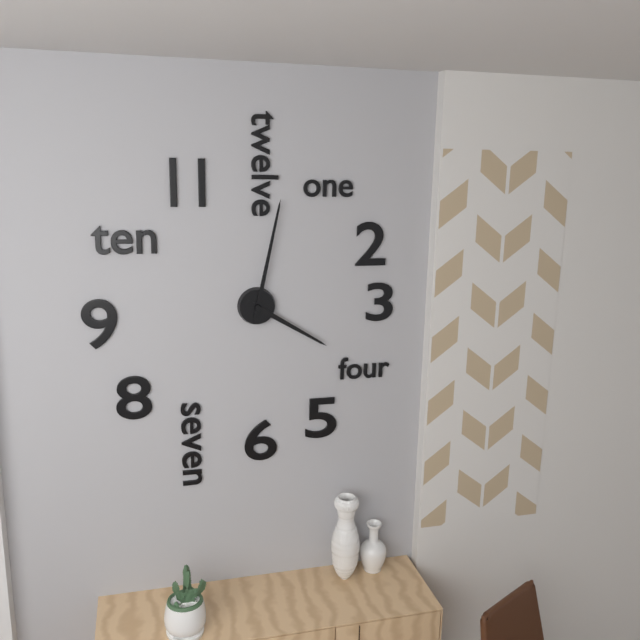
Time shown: h=4 m=2
